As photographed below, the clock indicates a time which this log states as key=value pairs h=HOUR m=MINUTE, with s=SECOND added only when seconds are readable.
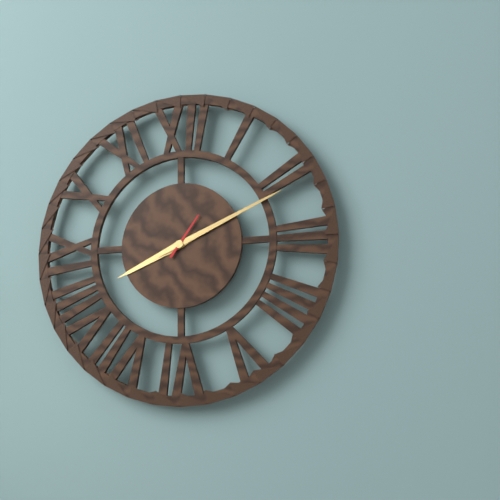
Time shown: h=8 m=11
